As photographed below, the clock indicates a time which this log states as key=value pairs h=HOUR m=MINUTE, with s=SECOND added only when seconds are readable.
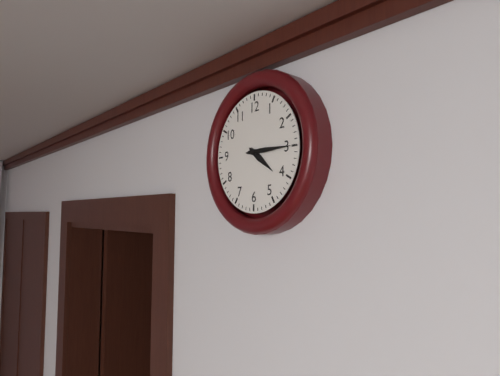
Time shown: h=4 m=15
